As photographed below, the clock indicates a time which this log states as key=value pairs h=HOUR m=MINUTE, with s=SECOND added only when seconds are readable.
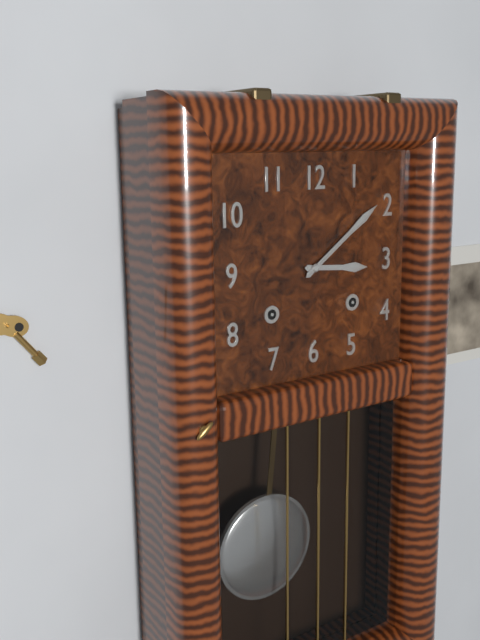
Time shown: h=3 m=9
